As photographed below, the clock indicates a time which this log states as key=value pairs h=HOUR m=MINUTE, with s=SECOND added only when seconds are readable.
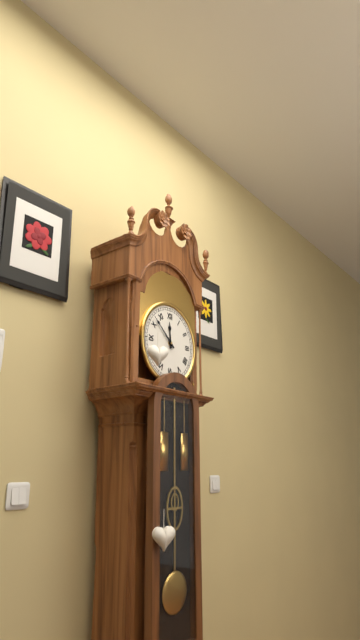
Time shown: h=11 m=52
